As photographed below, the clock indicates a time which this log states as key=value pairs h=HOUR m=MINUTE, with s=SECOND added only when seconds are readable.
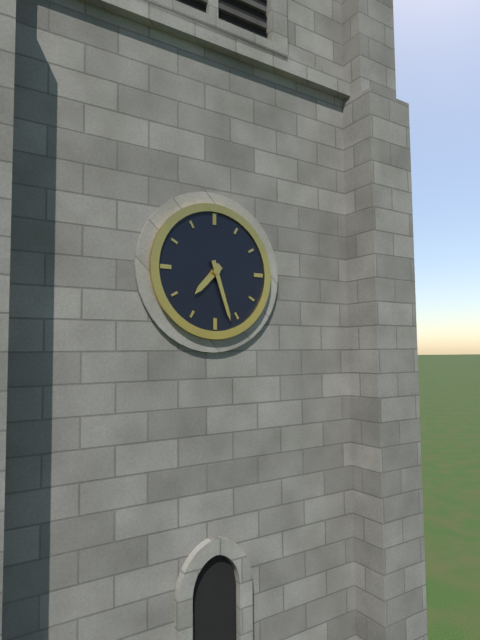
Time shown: h=7 m=27
